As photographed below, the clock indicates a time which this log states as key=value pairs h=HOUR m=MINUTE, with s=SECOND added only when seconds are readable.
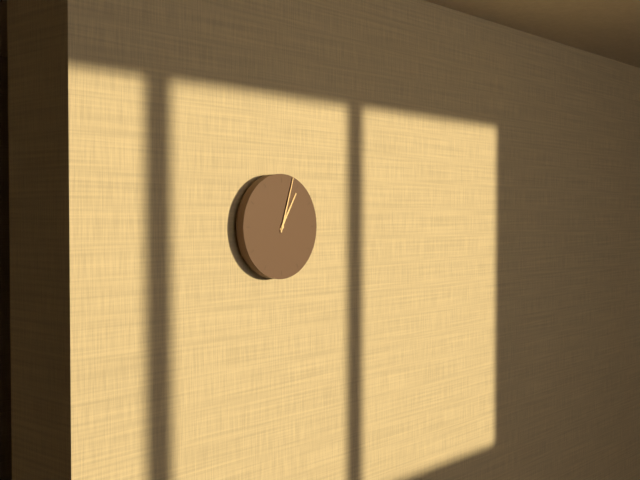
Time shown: h=1 m=3
